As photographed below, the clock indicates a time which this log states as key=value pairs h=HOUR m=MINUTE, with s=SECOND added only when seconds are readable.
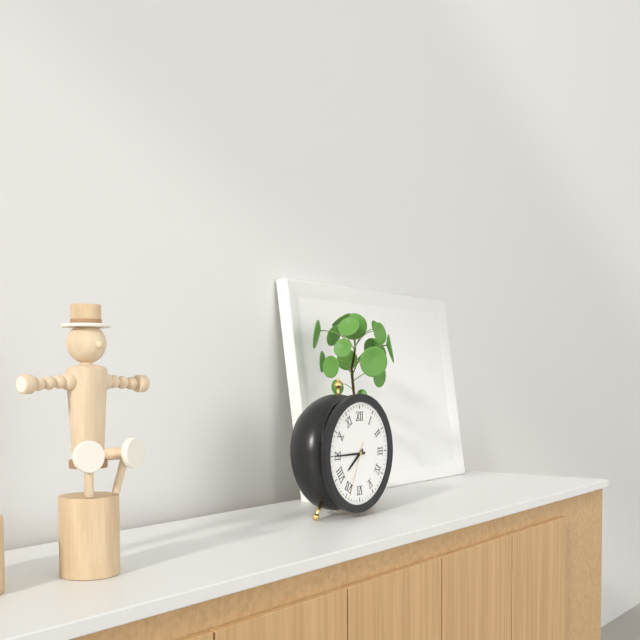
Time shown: h=7 m=45 s=34
